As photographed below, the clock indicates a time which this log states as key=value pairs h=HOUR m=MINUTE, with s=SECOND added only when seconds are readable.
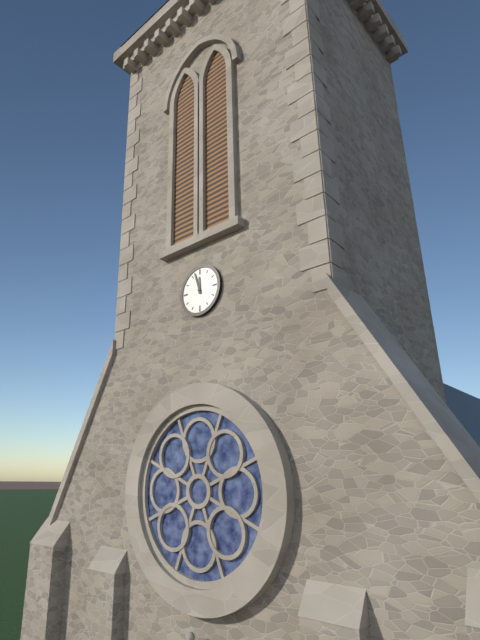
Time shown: h=11 m=57
